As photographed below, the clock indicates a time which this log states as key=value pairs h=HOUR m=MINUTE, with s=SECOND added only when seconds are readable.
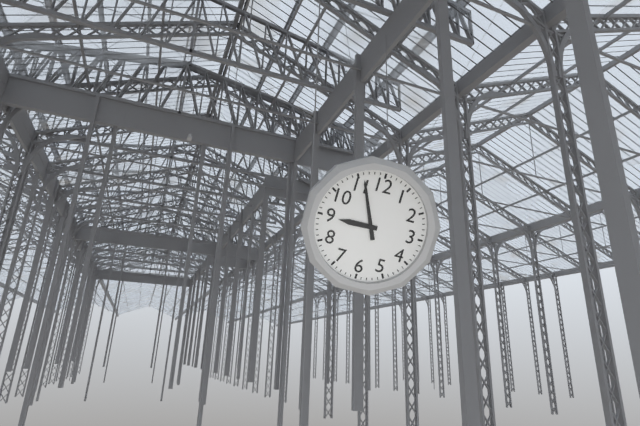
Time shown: h=8 m=56
